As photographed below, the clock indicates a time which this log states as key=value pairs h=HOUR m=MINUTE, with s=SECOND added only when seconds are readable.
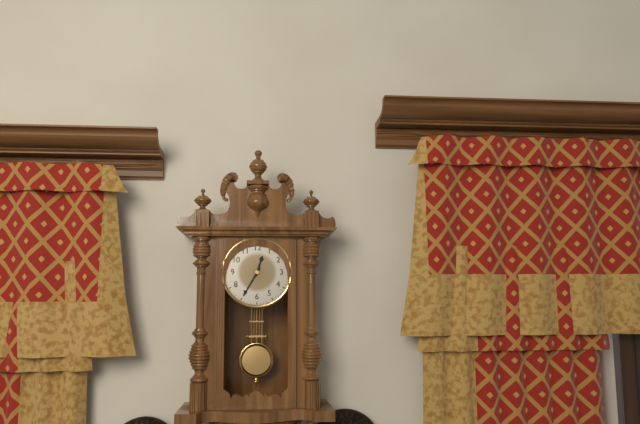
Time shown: h=12 m=35
